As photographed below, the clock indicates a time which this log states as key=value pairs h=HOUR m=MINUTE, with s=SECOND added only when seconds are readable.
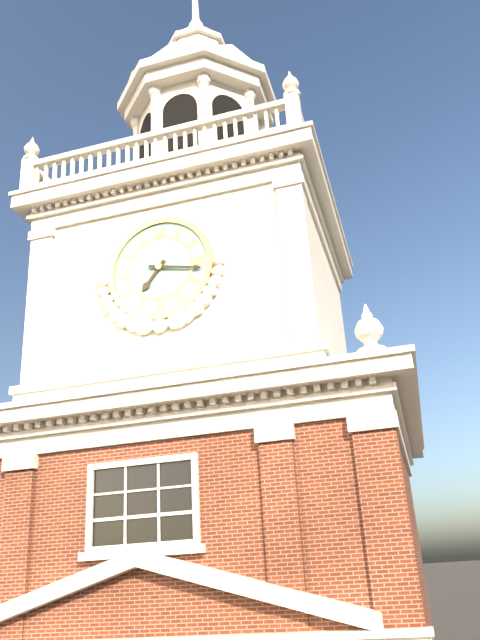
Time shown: h=7 m=17
